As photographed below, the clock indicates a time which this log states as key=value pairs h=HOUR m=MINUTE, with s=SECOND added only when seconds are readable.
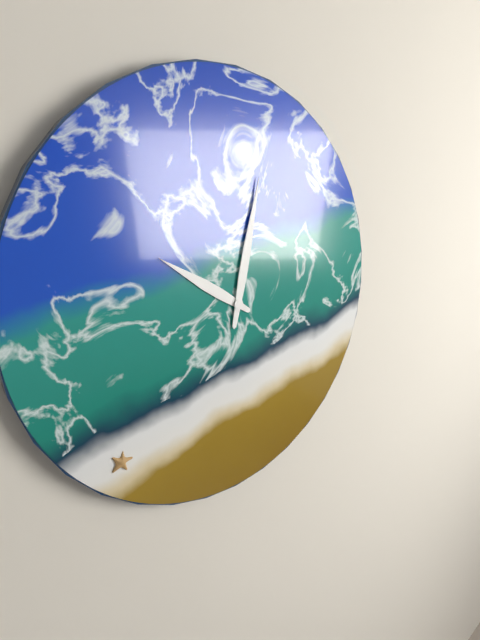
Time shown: h=10 m=2
